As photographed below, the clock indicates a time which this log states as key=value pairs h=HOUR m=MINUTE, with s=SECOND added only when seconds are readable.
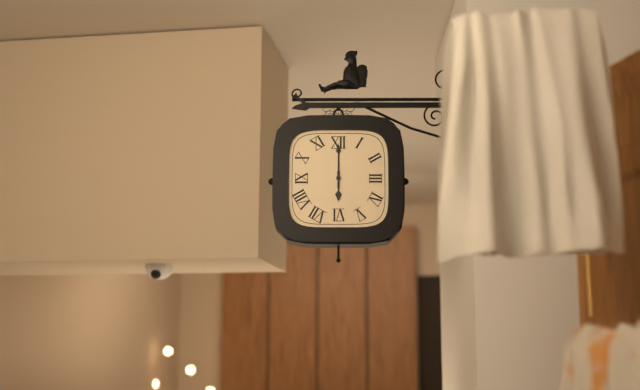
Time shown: h=6 m=0
